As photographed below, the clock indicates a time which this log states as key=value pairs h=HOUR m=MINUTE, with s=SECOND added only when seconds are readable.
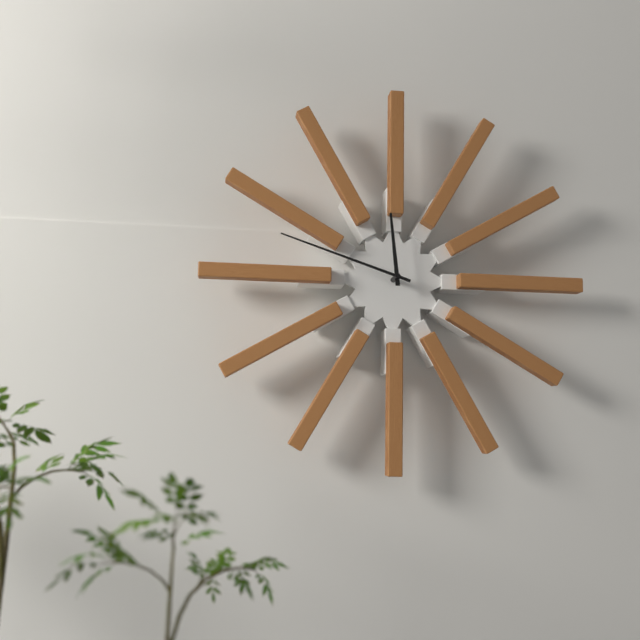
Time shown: h=11 m=48
